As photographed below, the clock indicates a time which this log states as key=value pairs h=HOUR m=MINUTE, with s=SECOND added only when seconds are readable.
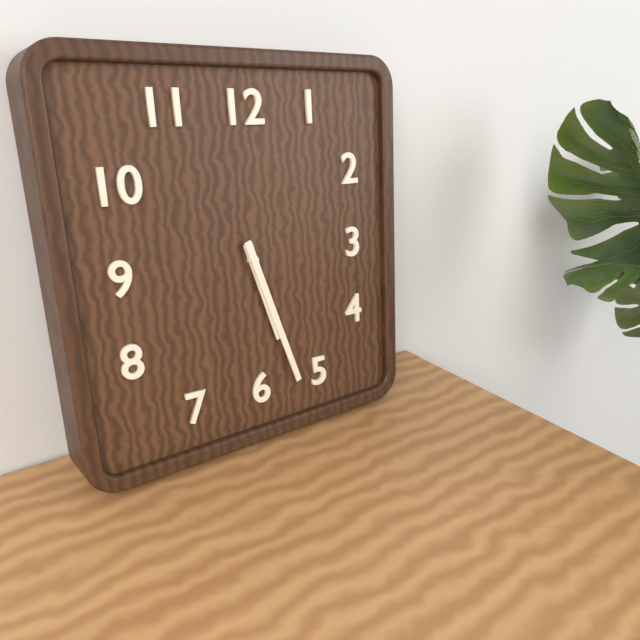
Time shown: h=5 m=27
